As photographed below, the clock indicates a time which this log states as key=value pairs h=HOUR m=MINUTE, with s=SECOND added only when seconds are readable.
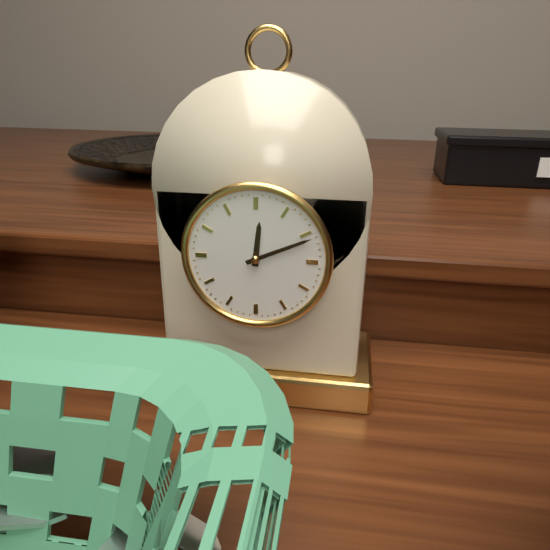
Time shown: h=12 m=11
